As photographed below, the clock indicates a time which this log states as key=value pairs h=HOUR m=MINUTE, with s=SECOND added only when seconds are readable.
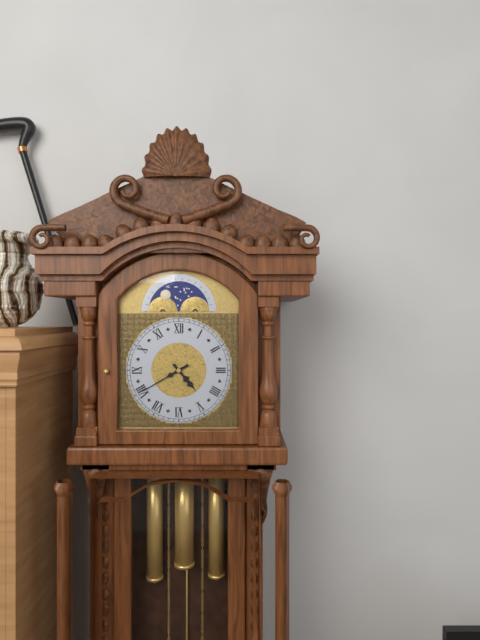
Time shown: h=4 m=40
